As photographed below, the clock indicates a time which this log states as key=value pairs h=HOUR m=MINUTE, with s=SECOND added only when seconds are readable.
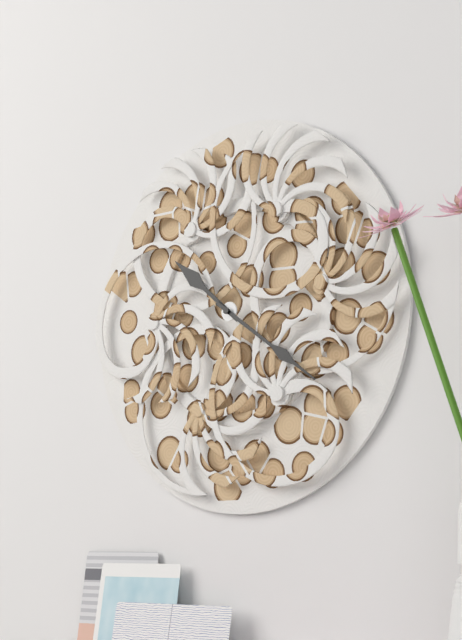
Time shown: h=10 m=21
